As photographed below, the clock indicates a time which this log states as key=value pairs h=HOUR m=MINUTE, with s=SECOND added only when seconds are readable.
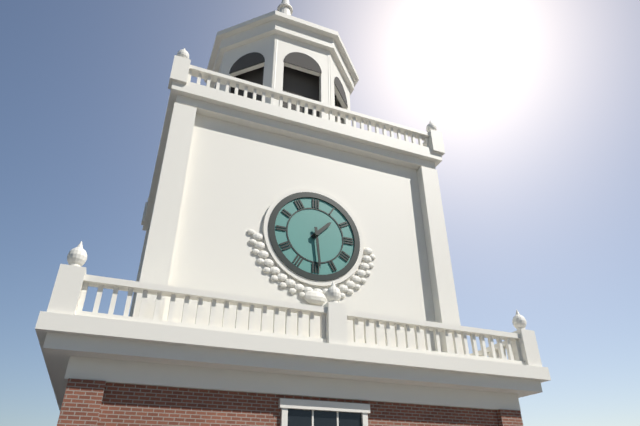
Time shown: h=1 m=29
